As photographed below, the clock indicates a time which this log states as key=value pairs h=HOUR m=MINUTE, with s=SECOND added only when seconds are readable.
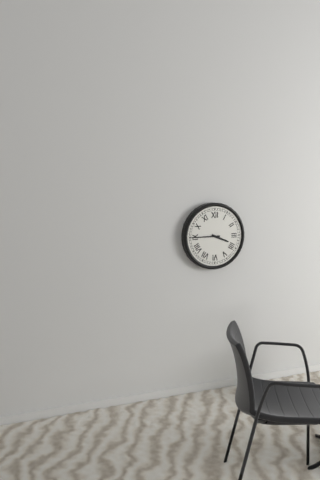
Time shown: h=3 m=45
